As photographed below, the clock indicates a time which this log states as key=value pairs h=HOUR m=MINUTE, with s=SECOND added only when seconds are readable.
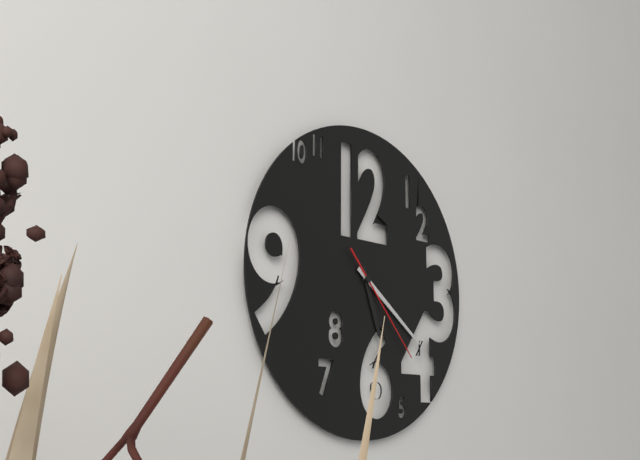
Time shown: h=5 m=21 s=23
